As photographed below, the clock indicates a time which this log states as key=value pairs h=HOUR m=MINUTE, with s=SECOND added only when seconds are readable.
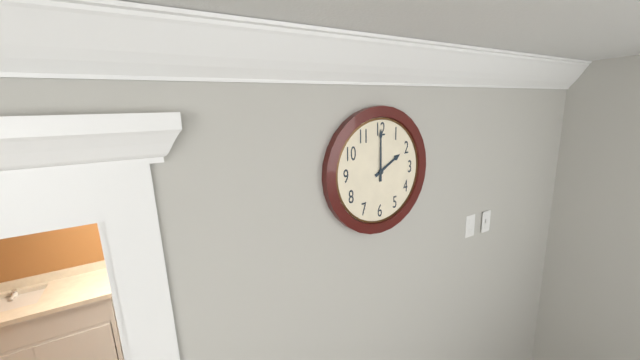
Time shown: h=2 m=0
